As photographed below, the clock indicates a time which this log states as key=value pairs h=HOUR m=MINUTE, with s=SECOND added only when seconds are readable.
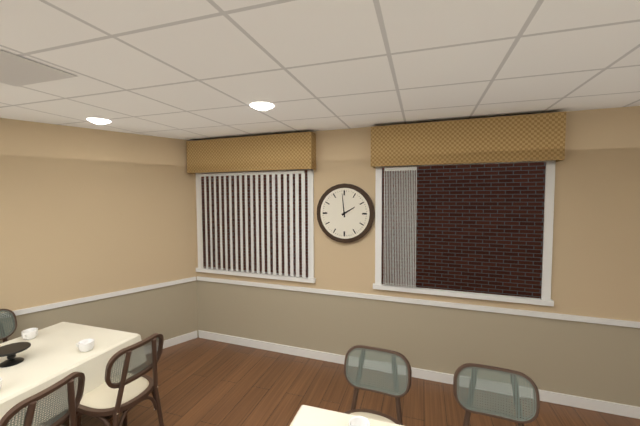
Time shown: h=1 m=59
